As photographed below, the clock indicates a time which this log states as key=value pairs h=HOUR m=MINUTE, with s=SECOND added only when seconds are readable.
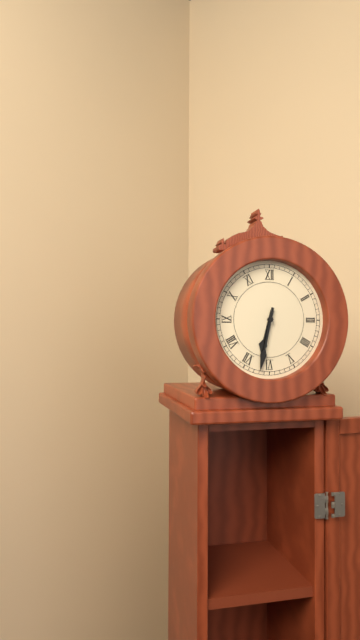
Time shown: h=6 m=32
